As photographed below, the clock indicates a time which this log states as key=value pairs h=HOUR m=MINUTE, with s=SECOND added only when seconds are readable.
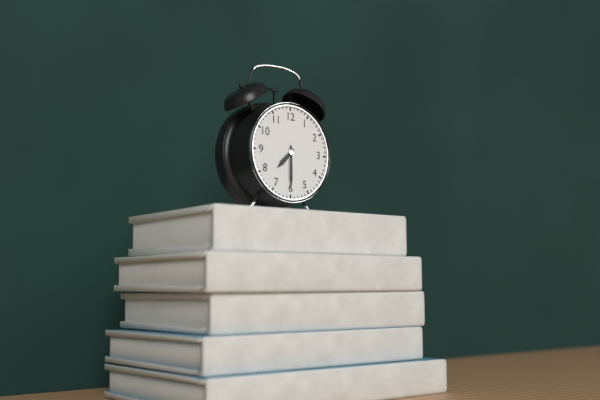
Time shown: h=7 m=30
